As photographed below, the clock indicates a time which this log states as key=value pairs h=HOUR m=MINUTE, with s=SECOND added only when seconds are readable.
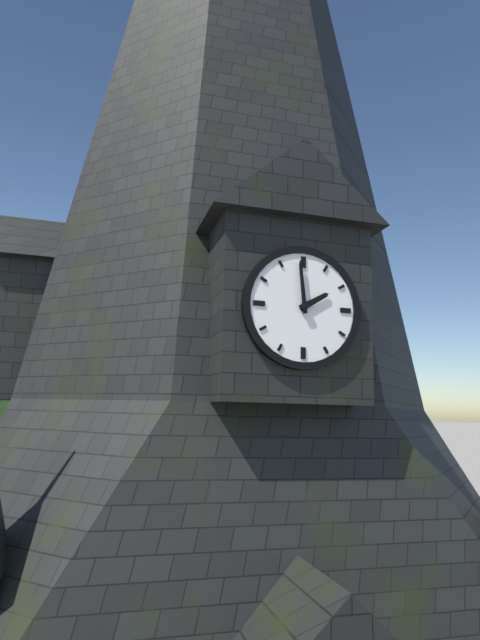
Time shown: h=1 m=59
